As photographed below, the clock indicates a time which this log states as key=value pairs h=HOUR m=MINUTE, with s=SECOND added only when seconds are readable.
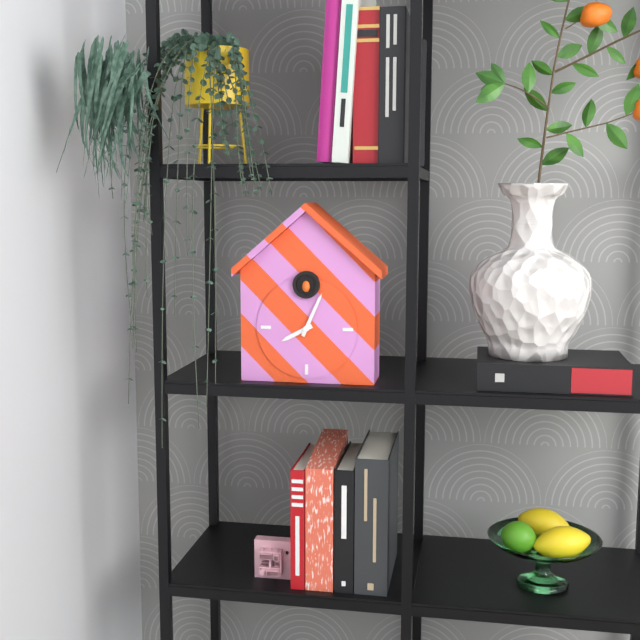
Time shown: h=8 m=4
